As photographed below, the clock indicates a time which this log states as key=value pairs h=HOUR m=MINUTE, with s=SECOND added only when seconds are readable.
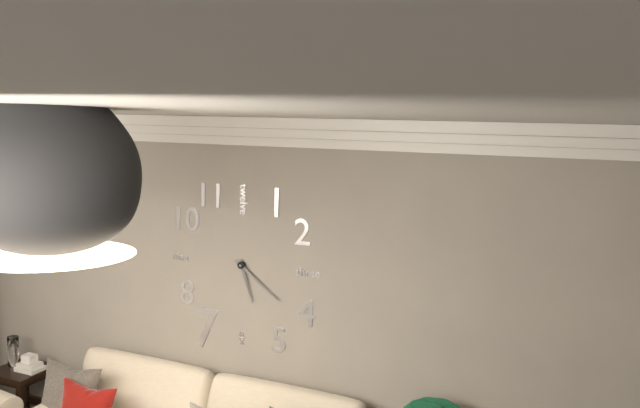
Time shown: h=5 m=21
